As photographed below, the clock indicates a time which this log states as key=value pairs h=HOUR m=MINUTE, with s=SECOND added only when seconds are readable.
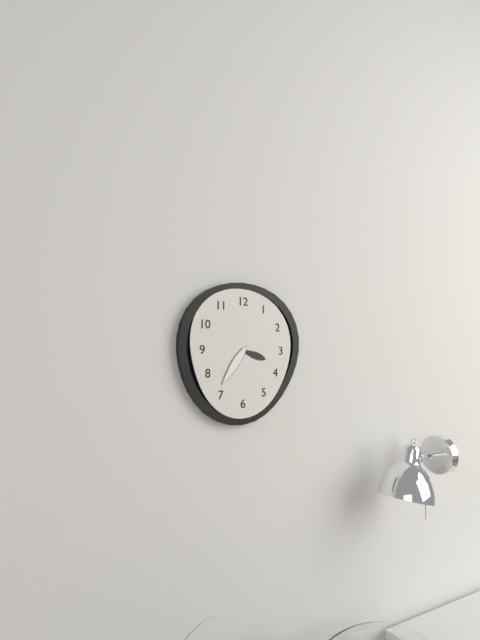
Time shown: h=3 m=36
